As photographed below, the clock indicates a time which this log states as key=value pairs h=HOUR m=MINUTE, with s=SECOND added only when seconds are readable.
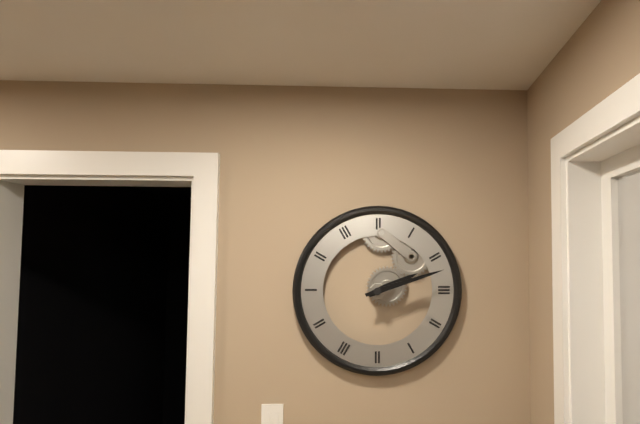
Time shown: h=2 m=12
